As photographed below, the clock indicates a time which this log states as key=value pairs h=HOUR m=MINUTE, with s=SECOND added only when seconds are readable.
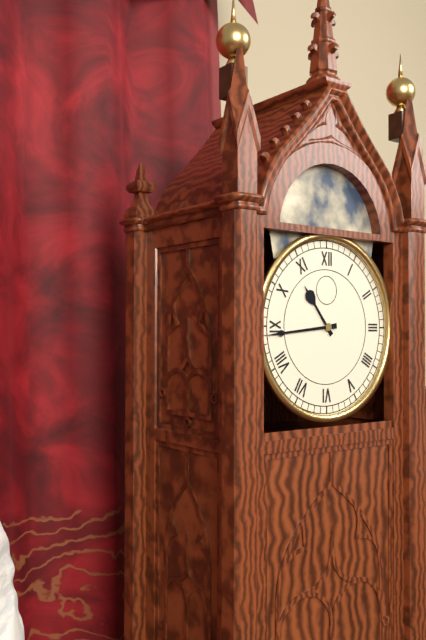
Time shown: h=10 m=44
